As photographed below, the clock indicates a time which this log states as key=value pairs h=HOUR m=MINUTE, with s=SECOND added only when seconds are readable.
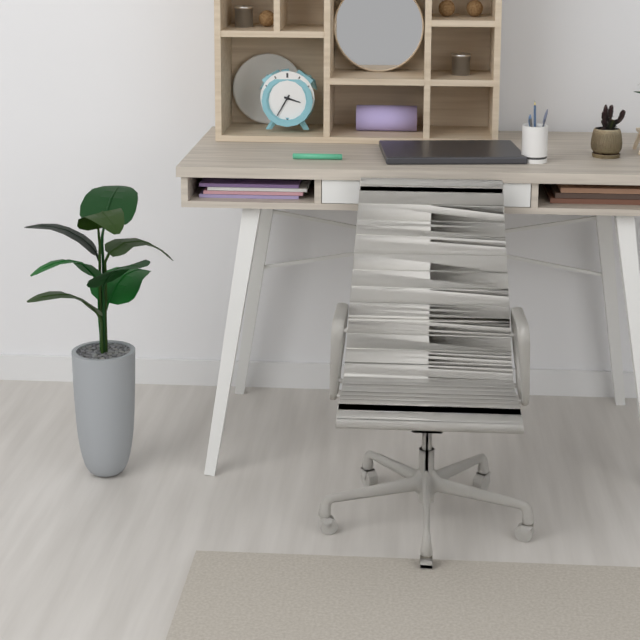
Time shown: h=3 m=35
